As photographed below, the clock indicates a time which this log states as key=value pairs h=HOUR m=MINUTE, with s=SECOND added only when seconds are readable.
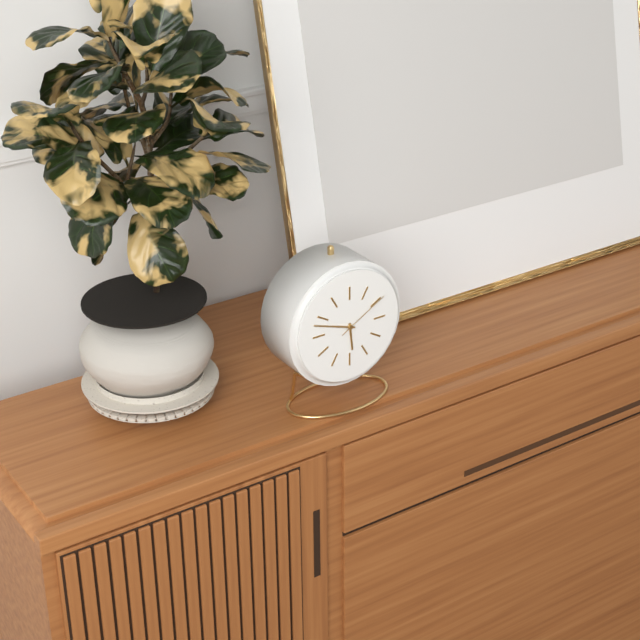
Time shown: h=5 m=48 s=10
